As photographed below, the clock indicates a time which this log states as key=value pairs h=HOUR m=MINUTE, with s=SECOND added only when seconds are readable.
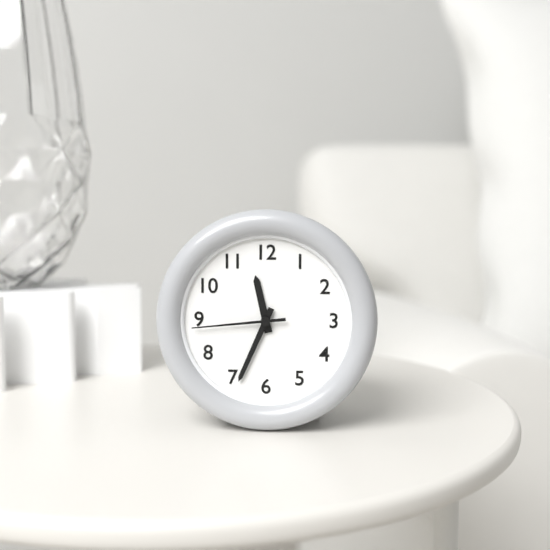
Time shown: h=11 m=34 s=44
